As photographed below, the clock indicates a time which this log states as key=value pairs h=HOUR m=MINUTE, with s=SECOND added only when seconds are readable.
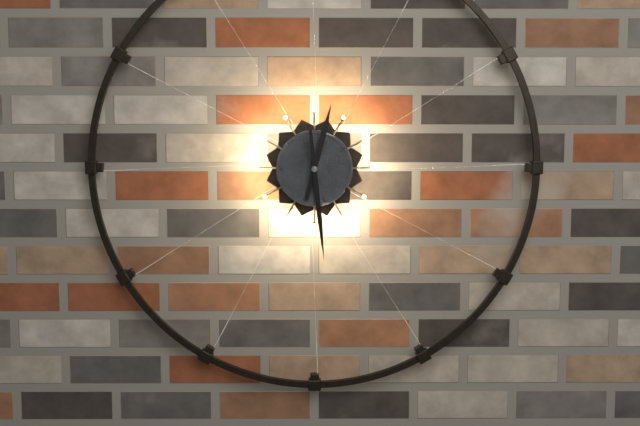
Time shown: h=12 m=29
